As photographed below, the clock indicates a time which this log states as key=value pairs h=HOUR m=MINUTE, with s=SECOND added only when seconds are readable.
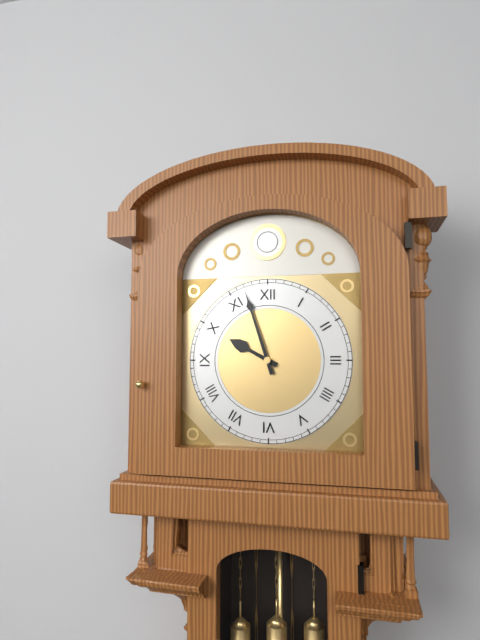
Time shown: h=9 m=57
